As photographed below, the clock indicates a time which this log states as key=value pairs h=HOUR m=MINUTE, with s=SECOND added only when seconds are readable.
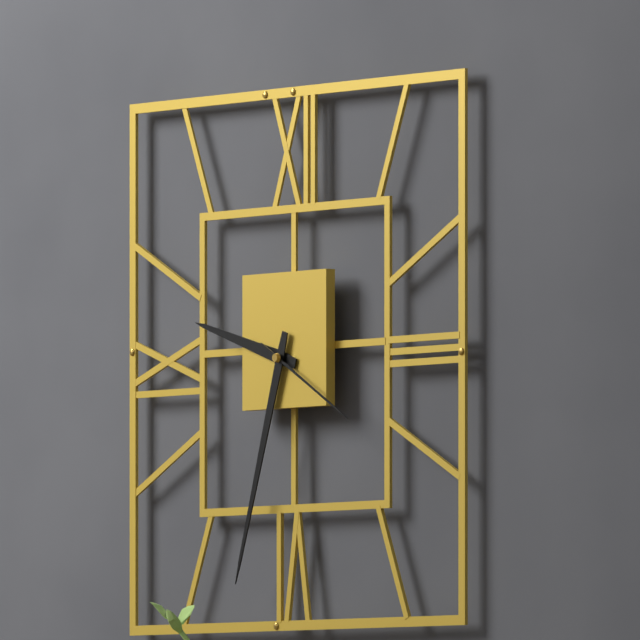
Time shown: h=9 m=33 s=20
